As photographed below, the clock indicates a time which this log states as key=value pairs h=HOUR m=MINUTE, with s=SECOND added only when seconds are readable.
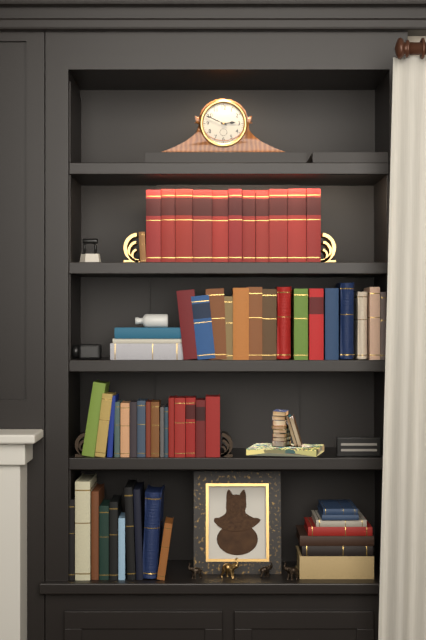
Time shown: h=2 m=49
